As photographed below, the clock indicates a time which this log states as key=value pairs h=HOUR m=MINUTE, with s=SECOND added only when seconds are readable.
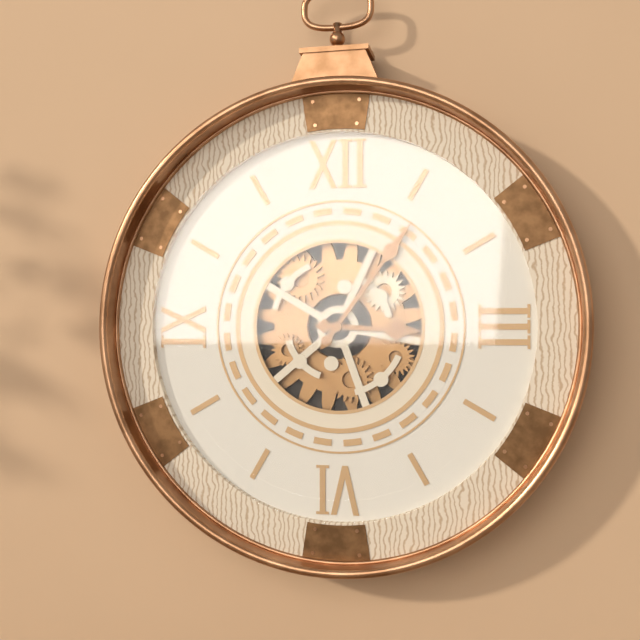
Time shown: h=3 m=6
